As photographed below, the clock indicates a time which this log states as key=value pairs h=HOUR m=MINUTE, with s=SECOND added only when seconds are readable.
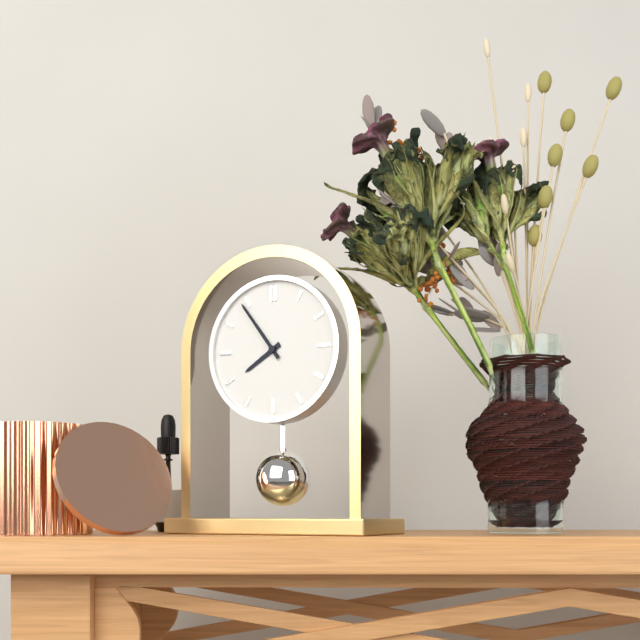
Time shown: h=7 m=54
